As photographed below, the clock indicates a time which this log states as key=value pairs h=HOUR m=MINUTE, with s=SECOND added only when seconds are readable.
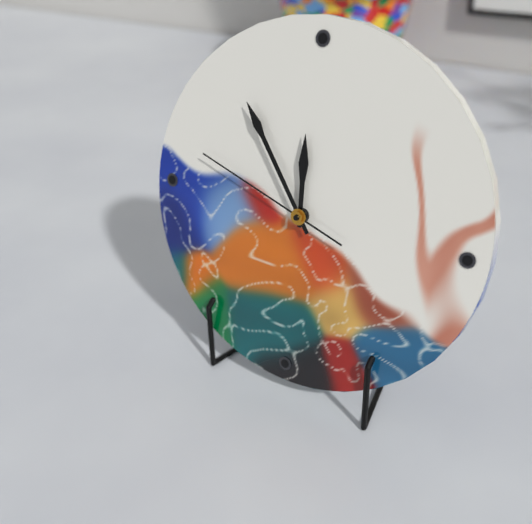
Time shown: h=11 m=54 s=48
